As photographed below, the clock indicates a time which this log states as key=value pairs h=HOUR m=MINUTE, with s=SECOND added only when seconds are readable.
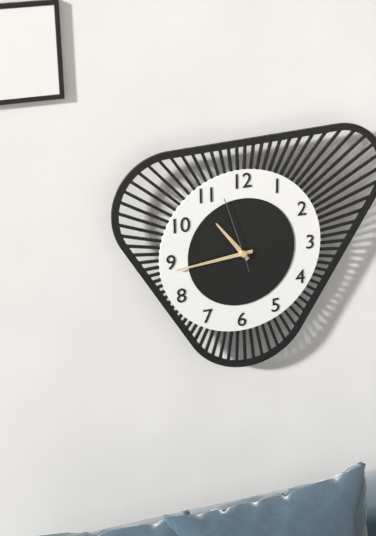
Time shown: h=10 m=44 s=57
